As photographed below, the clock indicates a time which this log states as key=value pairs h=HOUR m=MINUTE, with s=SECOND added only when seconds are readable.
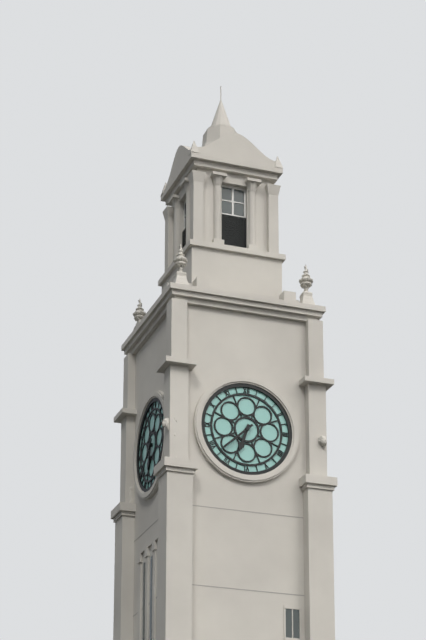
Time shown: h=6 m=38
